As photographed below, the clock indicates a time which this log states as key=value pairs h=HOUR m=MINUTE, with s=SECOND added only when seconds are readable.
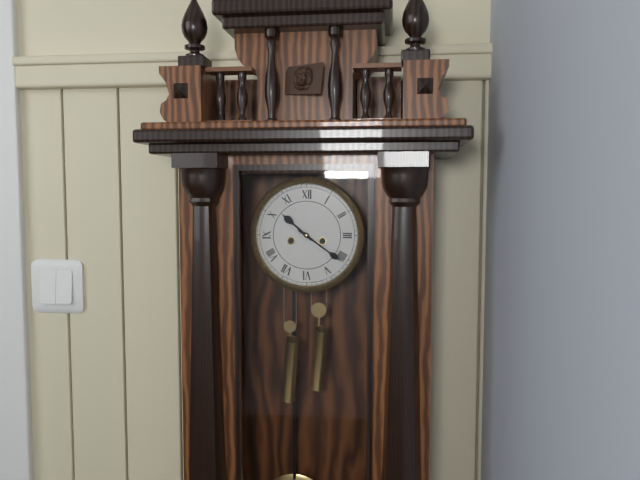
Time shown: h=10 m=21
